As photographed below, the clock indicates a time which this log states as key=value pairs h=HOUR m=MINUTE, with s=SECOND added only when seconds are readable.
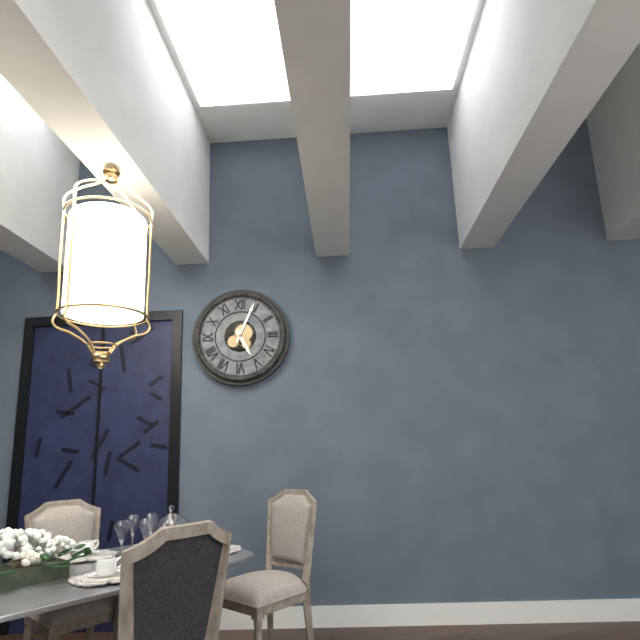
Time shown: h=5 m=4
